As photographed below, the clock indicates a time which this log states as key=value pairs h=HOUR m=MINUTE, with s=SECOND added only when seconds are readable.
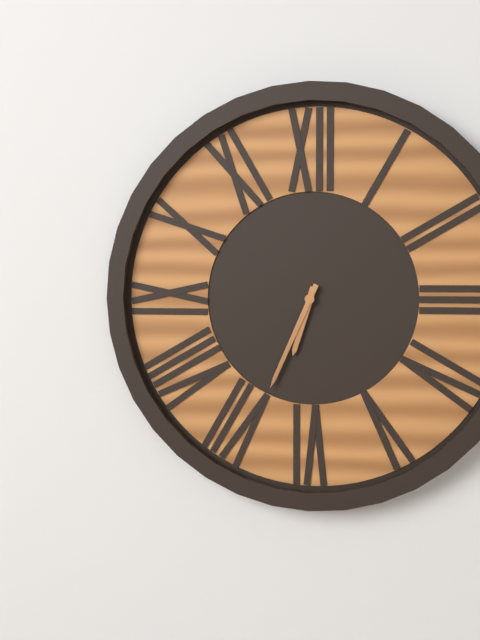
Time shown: h=6 m=34
